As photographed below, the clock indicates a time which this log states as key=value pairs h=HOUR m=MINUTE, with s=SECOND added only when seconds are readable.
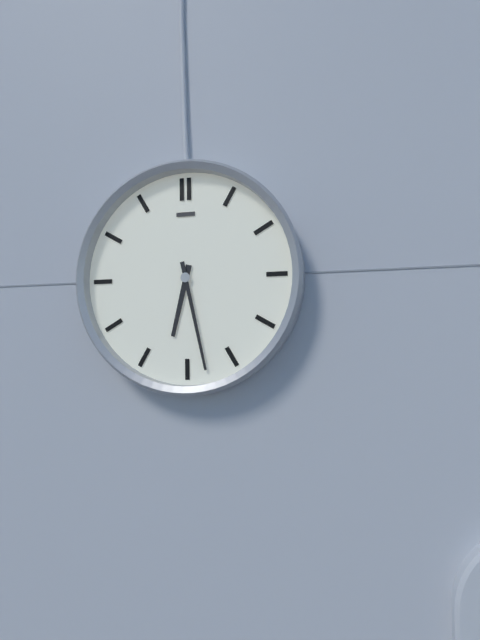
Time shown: h=6 m=28
